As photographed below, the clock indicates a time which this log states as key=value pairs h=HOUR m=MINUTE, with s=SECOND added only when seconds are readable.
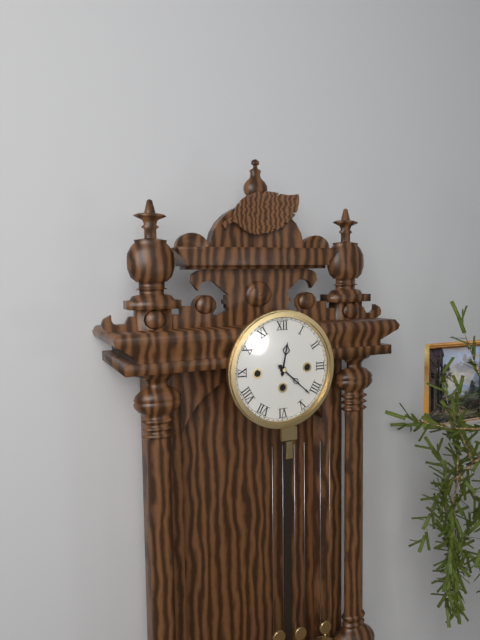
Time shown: h=12 m=22
